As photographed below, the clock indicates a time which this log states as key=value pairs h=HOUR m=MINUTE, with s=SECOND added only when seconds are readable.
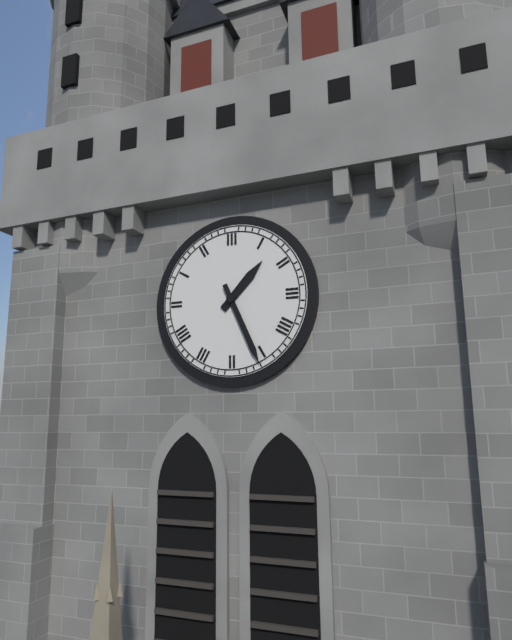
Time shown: h=1 m=26
